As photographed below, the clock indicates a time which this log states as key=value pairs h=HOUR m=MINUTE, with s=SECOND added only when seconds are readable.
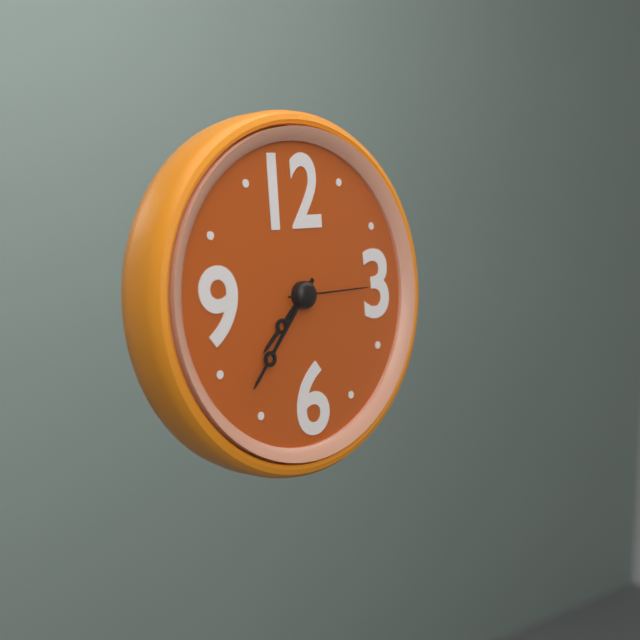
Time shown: h=7 m=37 s=15
